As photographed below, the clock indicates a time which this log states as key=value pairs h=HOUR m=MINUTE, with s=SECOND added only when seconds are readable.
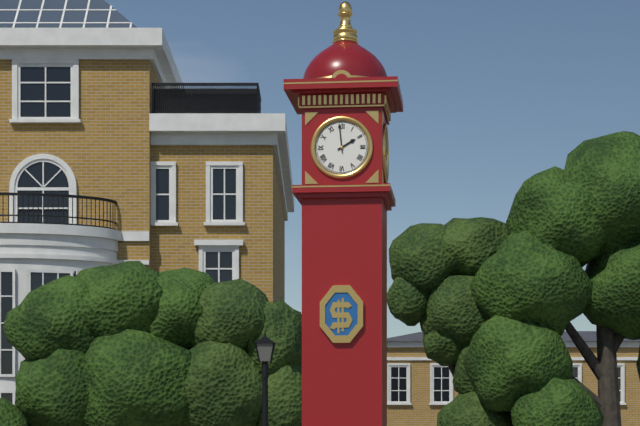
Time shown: h=1 m=59
